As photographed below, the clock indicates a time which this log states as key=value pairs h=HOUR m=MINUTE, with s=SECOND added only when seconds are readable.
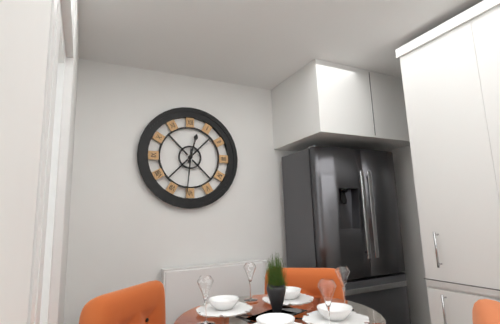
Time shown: h=12 m=31
